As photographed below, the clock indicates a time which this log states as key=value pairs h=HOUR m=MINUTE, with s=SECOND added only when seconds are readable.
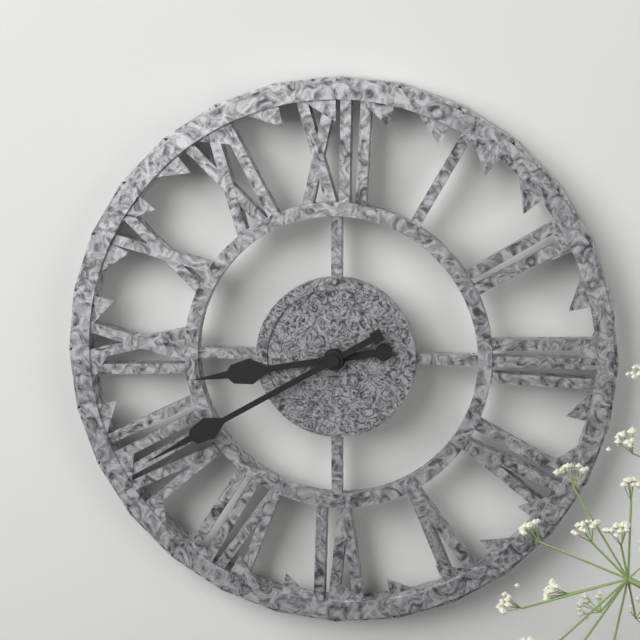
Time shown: h=8 m=40
